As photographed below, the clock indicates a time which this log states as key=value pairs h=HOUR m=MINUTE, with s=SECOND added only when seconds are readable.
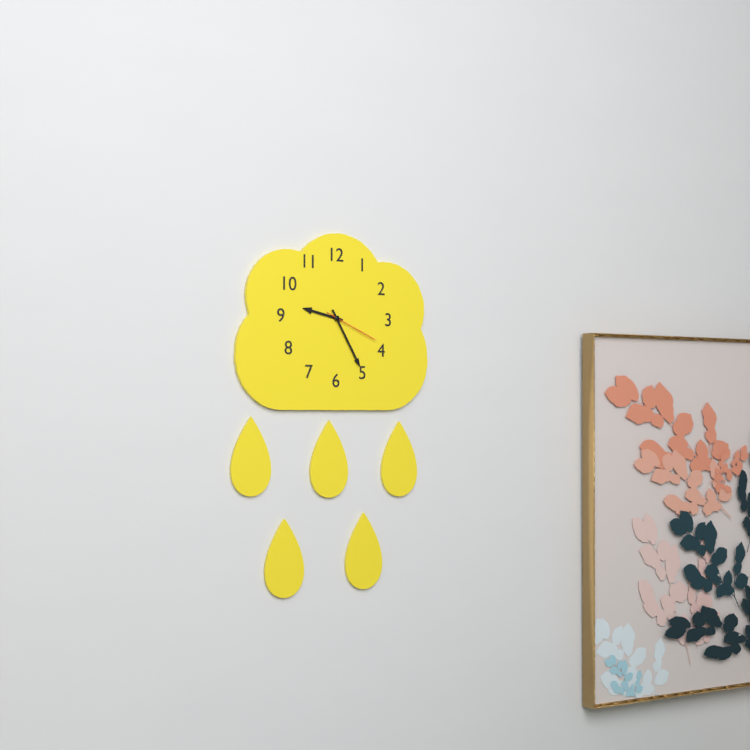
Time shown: h=9 m=25 s=19
